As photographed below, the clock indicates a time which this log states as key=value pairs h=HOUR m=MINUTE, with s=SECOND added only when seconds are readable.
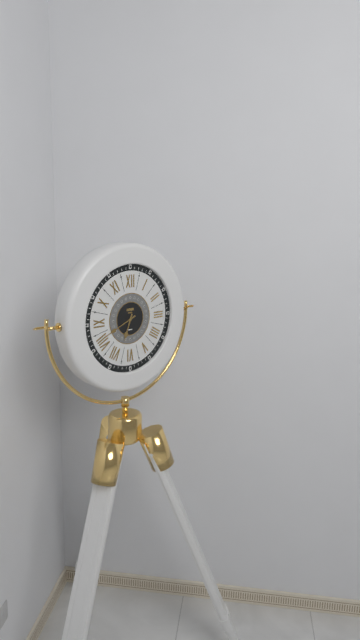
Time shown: h=6 m=41
